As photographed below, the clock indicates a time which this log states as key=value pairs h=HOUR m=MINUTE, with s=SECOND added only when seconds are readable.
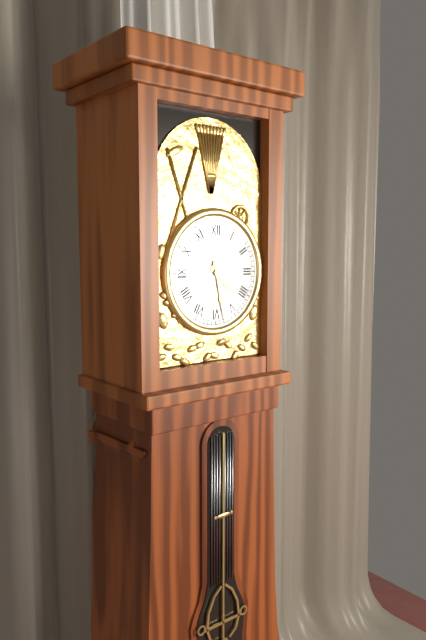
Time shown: h=4 m=28
